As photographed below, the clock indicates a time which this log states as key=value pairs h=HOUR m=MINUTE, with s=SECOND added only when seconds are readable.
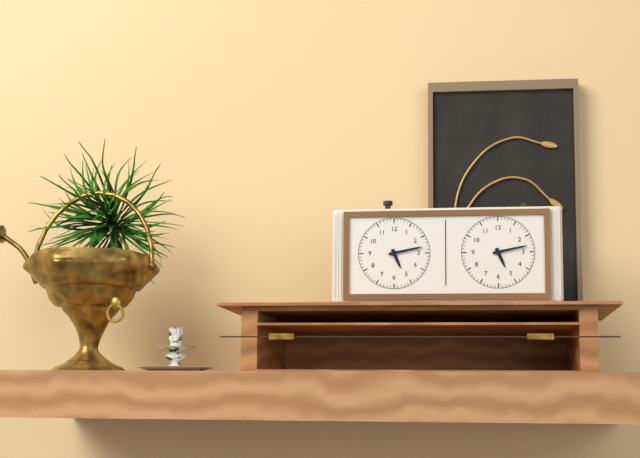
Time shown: h=5 m=13
